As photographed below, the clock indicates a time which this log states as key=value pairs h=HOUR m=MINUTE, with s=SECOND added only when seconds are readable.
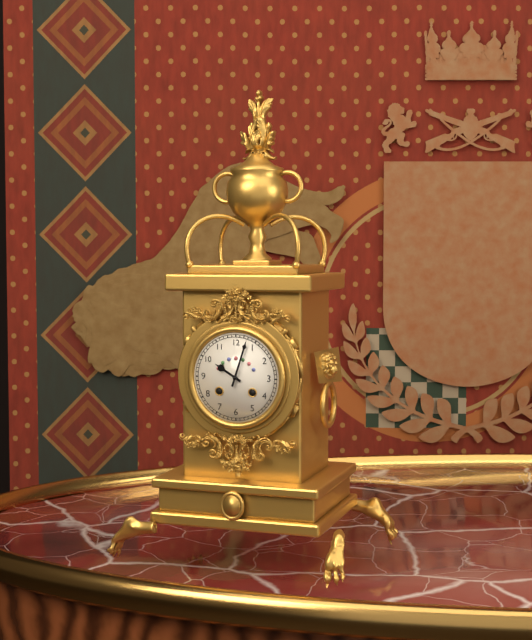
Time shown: h=10 m=3
